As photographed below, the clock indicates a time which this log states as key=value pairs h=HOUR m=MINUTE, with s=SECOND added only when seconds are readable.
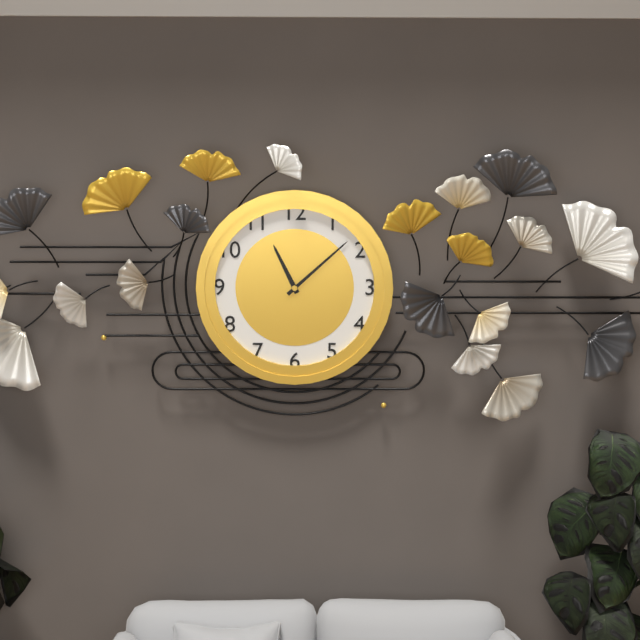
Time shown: h=11 m=8
